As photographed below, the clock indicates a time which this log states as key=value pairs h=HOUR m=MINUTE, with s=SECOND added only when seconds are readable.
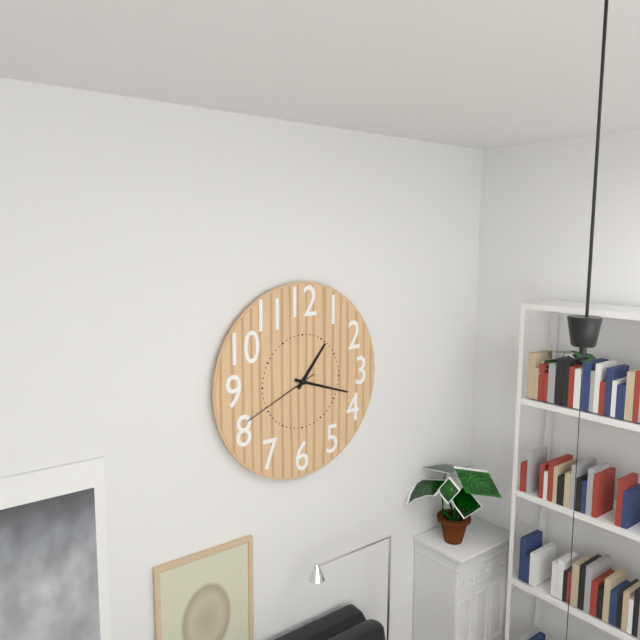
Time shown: h=1 m=18 s=41
